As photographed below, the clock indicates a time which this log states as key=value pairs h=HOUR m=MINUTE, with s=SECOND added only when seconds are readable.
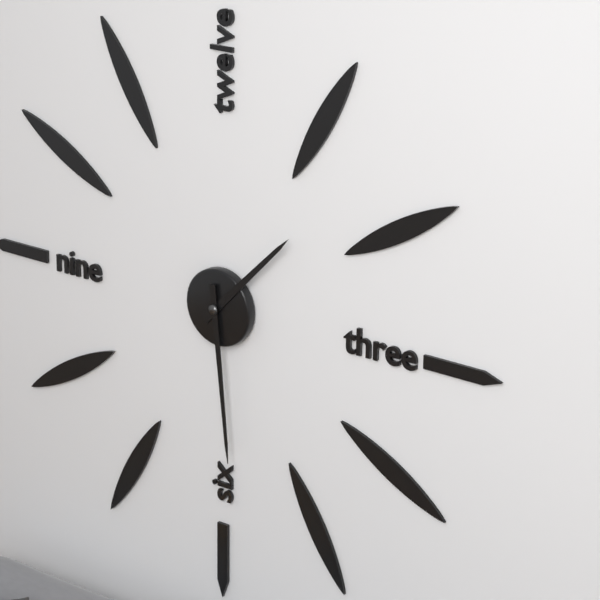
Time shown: h=1 m=29
